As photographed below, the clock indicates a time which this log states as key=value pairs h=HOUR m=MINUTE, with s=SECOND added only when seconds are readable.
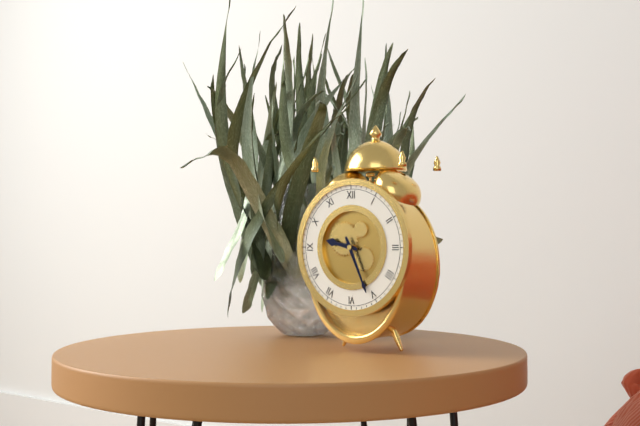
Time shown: h=9 m=26
